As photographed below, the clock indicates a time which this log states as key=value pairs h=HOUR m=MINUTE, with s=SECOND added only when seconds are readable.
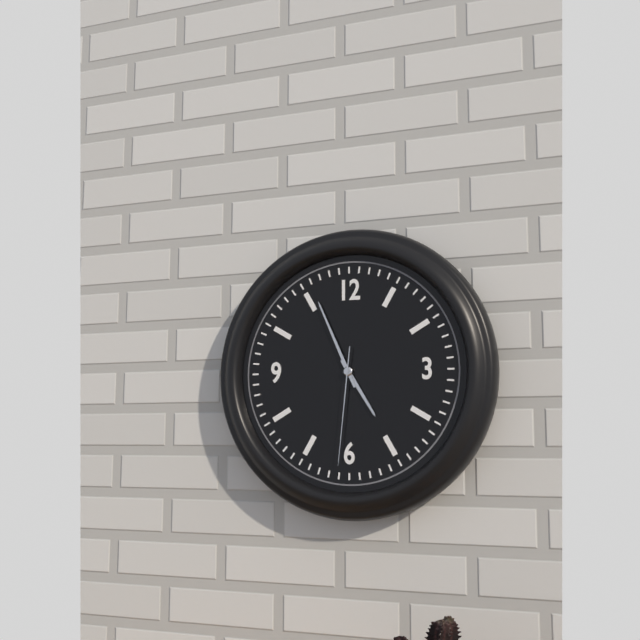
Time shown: h=4 m=56 s=31
